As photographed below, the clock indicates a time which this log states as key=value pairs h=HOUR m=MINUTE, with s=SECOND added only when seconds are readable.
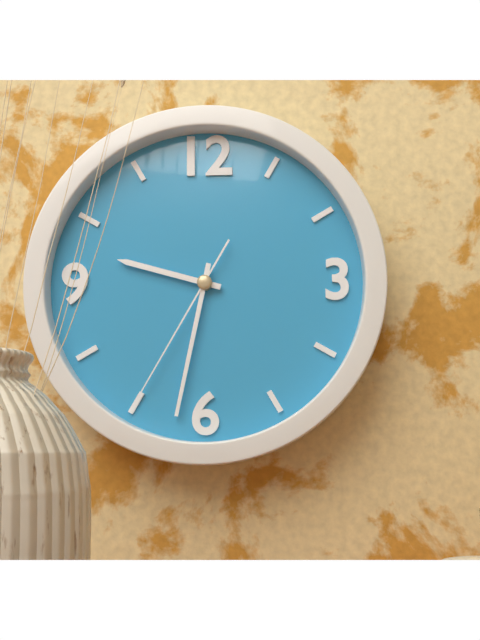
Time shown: h=9 m=32 s=35
